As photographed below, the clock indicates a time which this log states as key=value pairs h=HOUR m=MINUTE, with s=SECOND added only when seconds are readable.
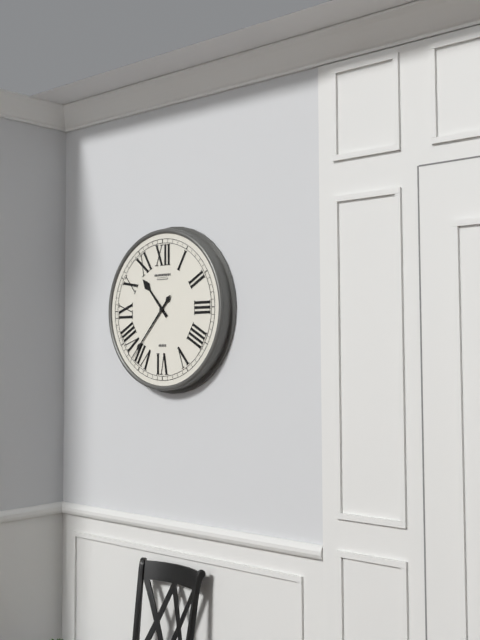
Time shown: h=10 m=37
